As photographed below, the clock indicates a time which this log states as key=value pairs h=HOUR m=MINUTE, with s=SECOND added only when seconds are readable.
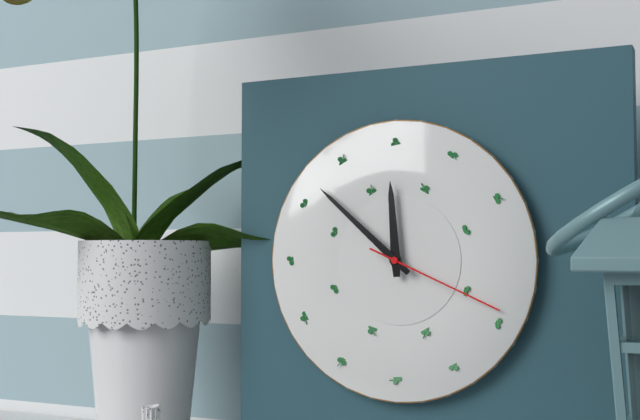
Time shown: h=11 m=52 s=19
